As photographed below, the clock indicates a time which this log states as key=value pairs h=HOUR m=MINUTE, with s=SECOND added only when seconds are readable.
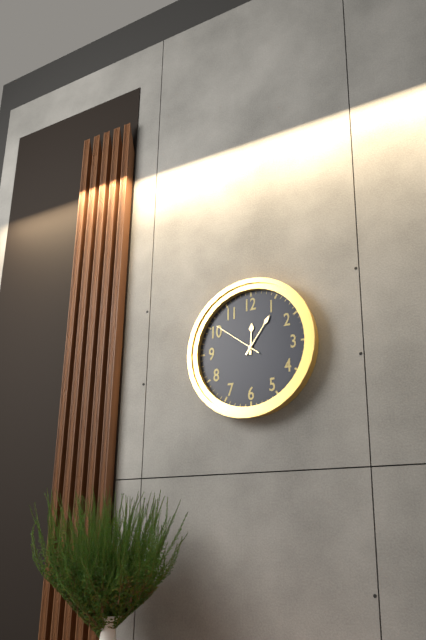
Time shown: h=12 m=6 s=51
